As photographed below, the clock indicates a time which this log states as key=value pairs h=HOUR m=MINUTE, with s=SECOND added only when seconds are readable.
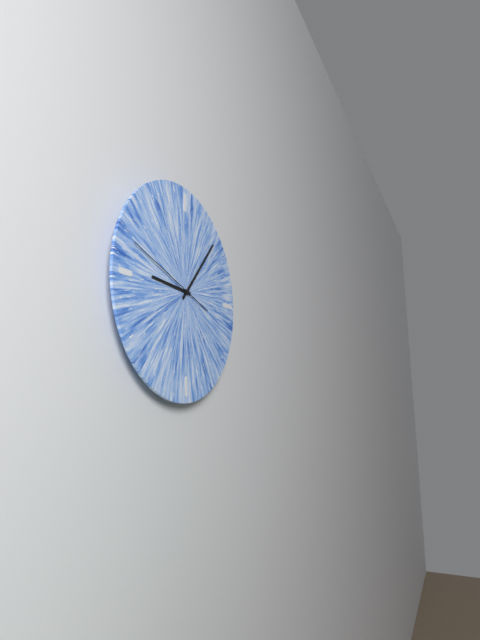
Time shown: h=9 m=7 s=48
